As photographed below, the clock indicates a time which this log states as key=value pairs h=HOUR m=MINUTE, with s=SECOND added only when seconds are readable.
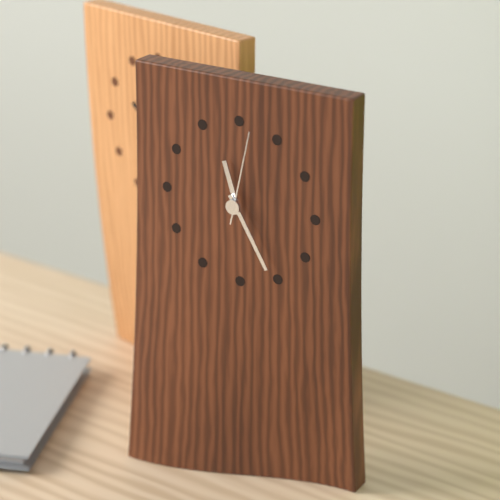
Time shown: h=11 m=25 s=2
